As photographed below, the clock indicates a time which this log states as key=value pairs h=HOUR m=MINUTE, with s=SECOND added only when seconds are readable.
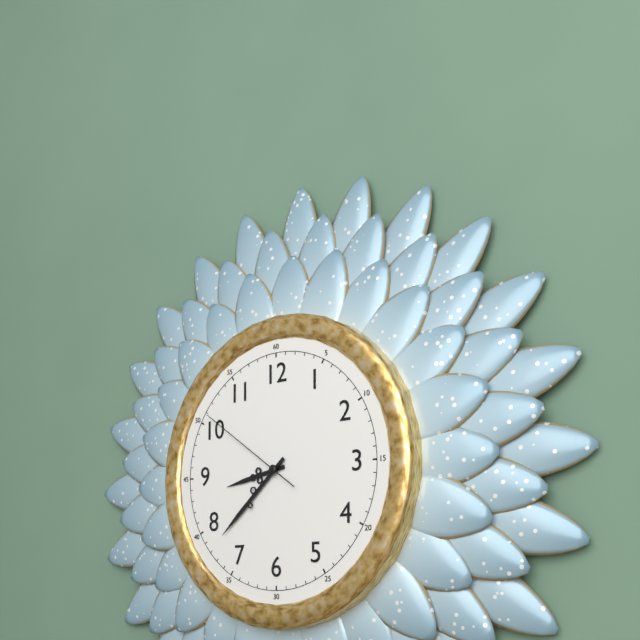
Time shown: h=8 m=38 s=51
